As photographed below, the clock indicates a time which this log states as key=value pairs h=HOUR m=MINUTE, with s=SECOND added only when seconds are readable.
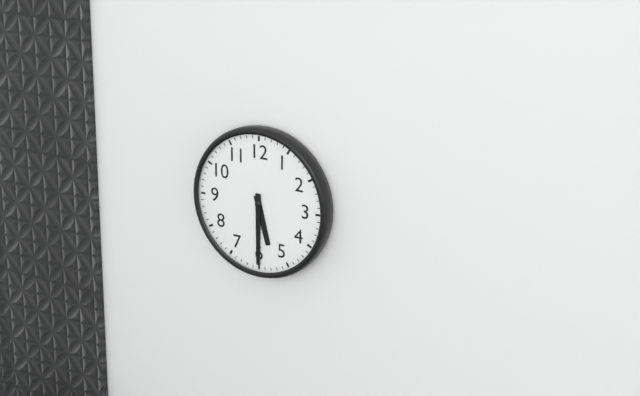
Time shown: h=5 m=30
